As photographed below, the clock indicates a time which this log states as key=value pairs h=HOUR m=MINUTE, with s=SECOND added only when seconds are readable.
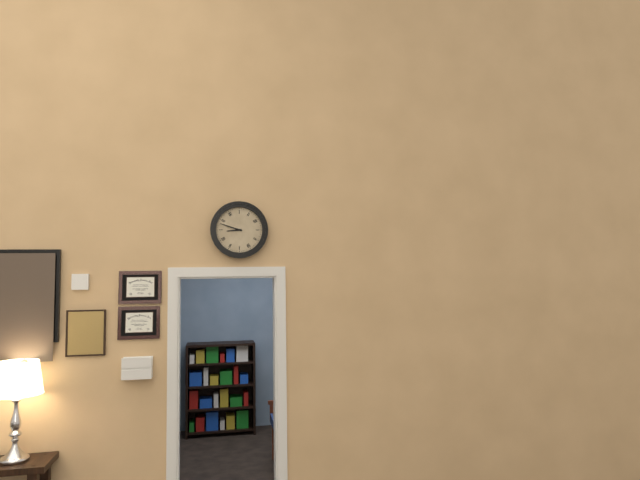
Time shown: h=8 m=48
